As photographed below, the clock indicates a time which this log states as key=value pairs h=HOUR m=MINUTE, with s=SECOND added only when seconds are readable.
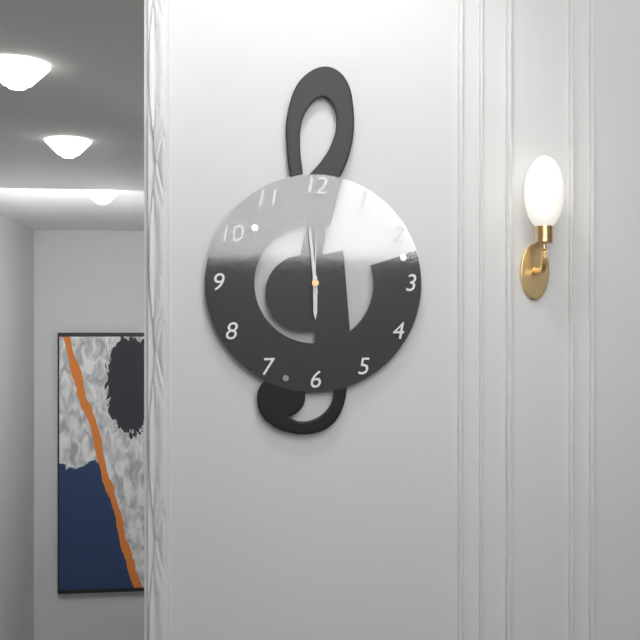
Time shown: h=5 m=59 s=0
